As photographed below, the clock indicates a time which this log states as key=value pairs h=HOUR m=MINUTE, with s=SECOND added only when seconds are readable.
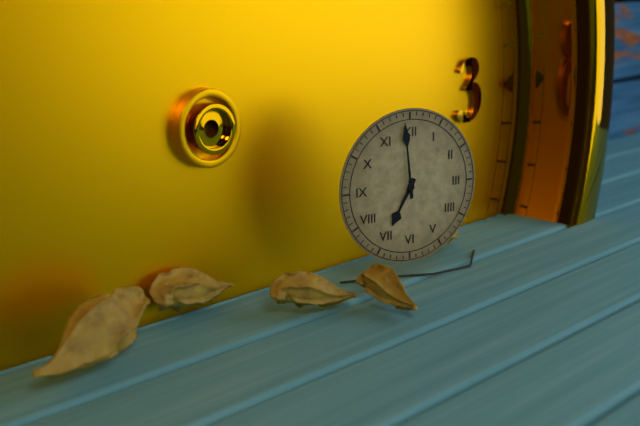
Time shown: h=6 m=59
